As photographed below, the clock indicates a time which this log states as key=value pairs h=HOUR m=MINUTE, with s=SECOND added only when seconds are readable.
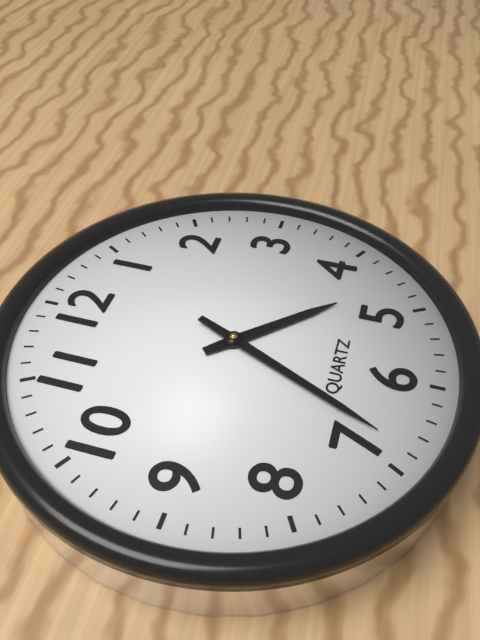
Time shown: h=4 m=34
